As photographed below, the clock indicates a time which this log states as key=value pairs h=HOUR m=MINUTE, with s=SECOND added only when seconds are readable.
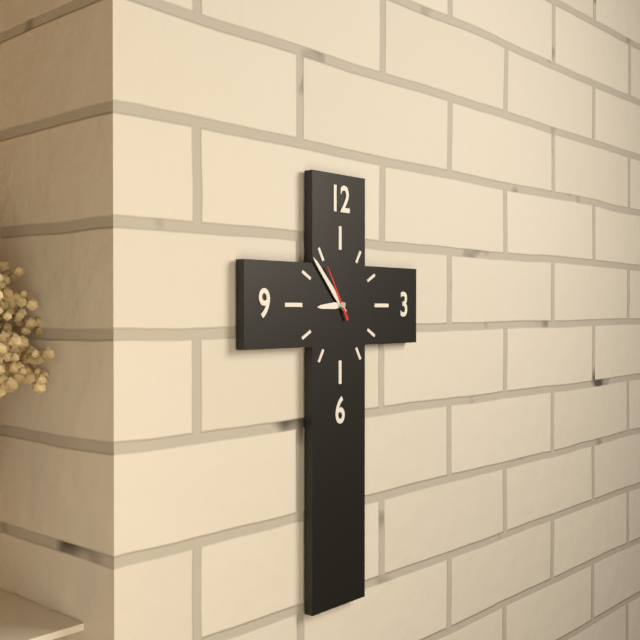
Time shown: h=8 m=53 s=55
